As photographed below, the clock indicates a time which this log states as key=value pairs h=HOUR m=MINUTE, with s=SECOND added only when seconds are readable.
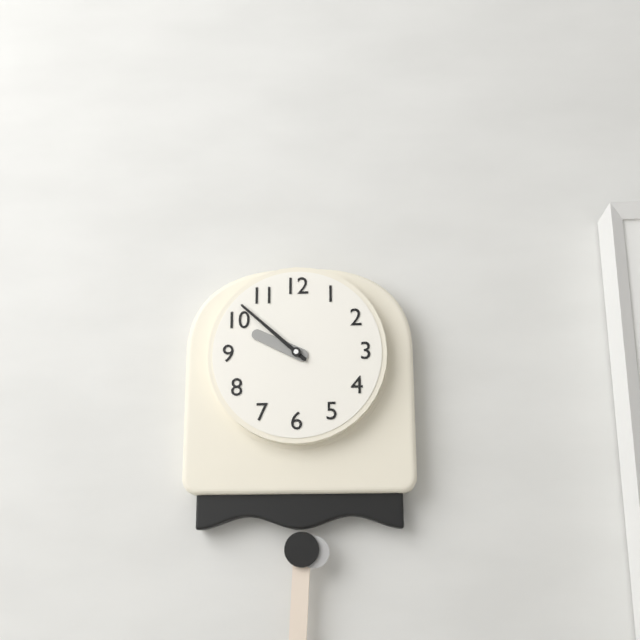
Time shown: h=9 m=52
